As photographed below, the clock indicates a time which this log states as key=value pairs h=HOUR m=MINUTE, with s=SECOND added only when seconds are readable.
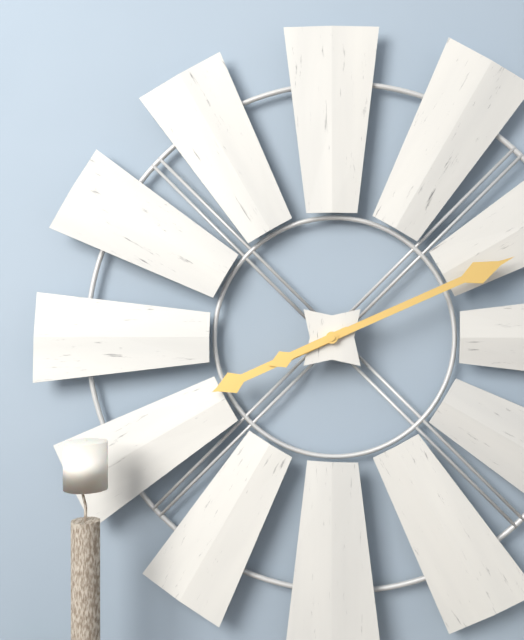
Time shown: h=8 m=11
